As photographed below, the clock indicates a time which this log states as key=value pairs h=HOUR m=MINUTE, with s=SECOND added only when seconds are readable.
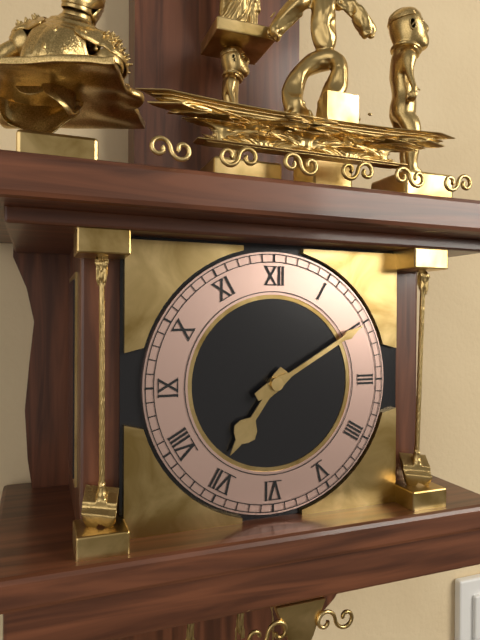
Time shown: h=7 m=10
